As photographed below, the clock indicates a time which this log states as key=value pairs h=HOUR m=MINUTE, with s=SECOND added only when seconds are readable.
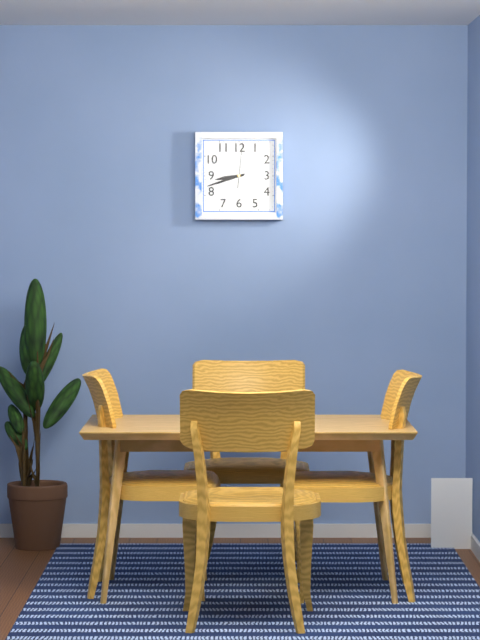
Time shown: h=8 m=42
